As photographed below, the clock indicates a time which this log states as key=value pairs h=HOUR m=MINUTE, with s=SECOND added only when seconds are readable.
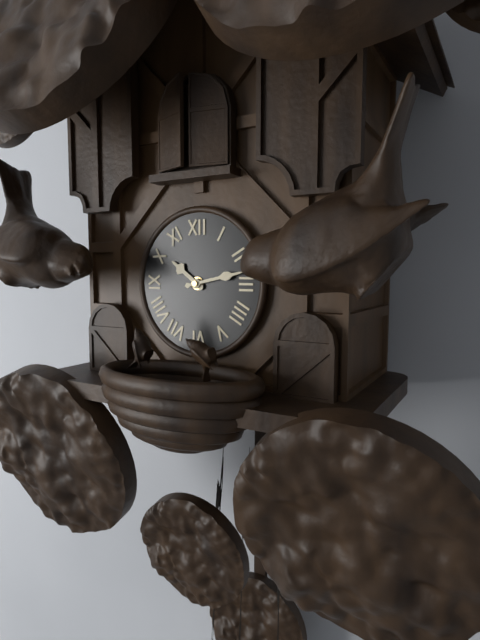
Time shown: h=10 m=13
